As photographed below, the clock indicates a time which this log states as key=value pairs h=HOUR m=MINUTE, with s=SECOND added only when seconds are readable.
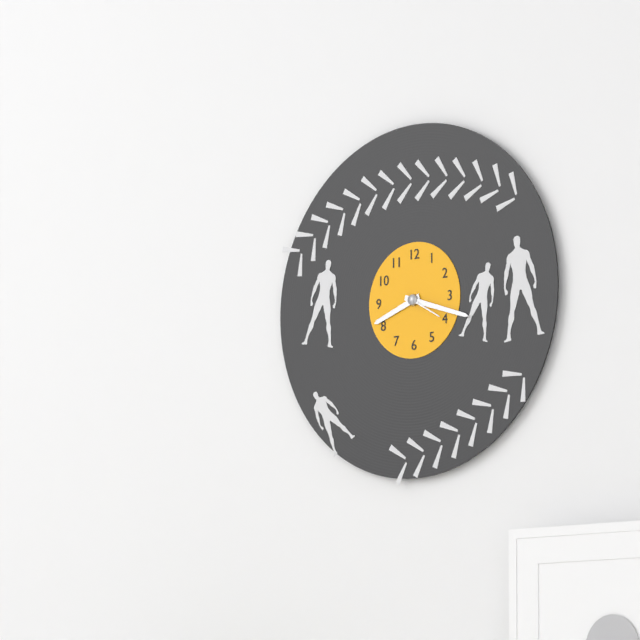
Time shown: h=8 m=18
